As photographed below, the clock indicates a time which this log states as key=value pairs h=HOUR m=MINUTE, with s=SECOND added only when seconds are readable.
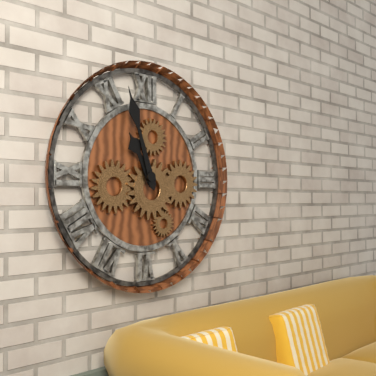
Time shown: h=10 m=57
